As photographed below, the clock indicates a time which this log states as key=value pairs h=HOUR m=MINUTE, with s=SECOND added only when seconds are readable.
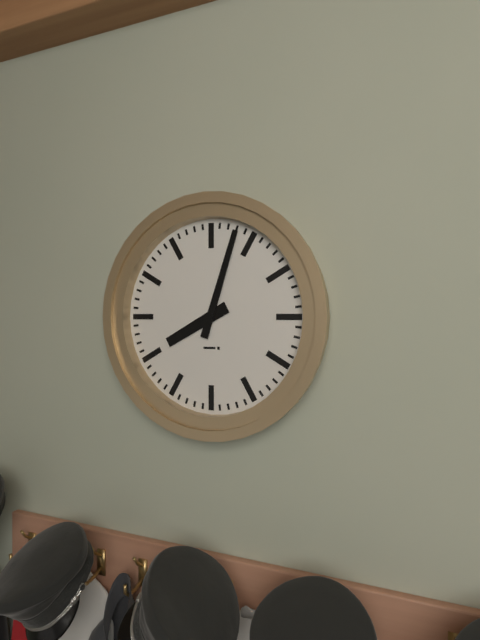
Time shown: h=8 m=3
